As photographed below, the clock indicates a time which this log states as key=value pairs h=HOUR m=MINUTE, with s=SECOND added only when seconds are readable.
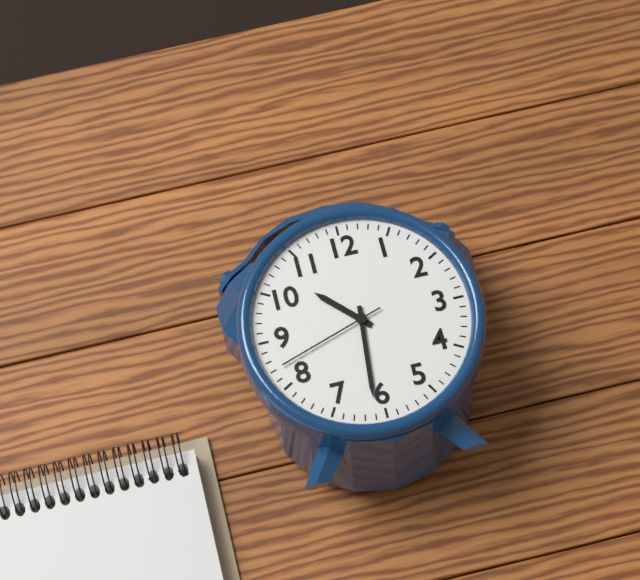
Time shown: h=10 m=31 s=42
